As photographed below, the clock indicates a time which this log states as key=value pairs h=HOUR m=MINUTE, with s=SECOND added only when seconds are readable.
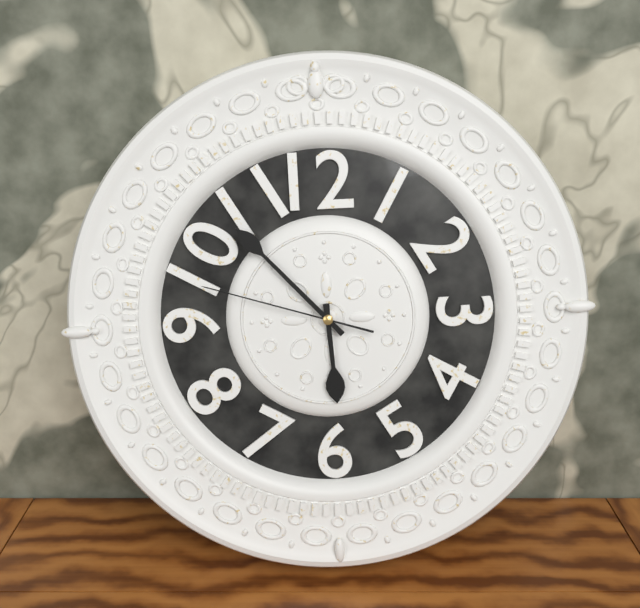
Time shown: h=5 m=53 s=48
